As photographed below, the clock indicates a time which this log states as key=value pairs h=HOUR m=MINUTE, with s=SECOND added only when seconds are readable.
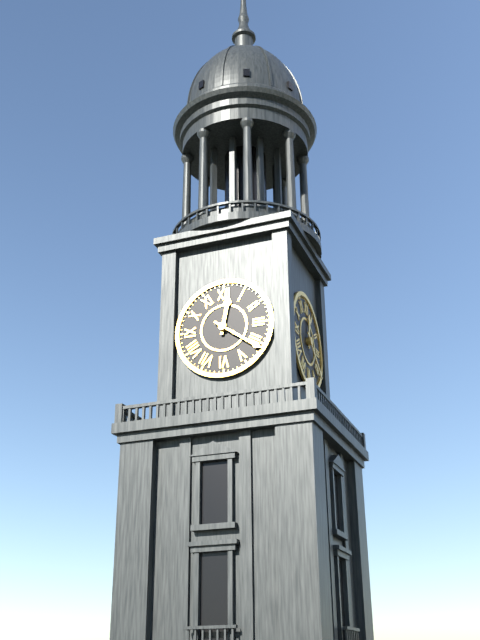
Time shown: h=12 m=21
